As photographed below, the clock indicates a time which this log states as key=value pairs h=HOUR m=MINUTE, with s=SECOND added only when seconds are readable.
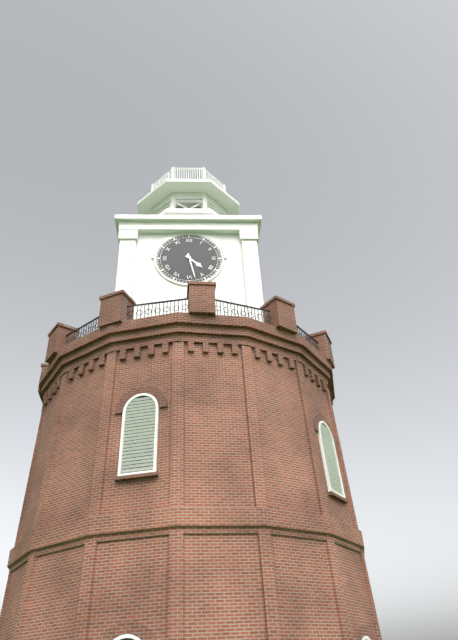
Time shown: h=4 m=28
